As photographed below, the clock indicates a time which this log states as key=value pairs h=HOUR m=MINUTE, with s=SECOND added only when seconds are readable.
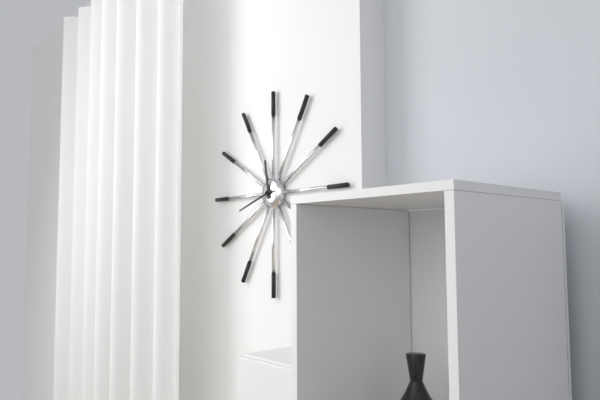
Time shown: h=11 m=42
